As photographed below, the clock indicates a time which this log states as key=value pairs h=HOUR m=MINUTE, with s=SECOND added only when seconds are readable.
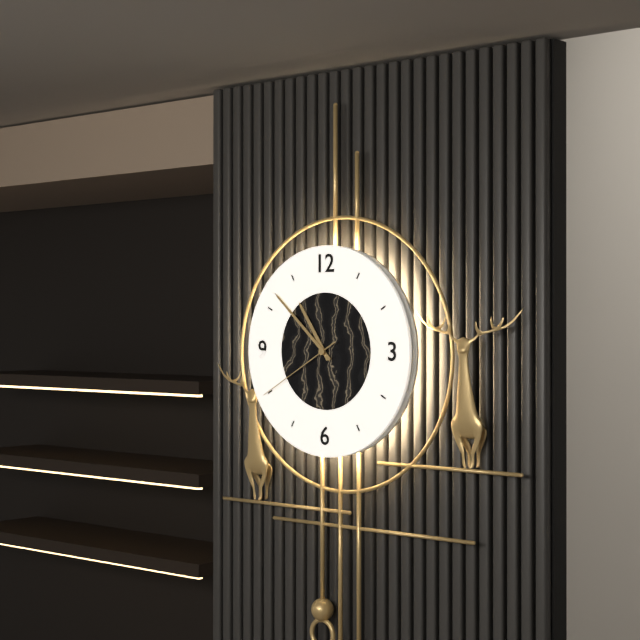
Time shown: h=10 m=52 s=40
